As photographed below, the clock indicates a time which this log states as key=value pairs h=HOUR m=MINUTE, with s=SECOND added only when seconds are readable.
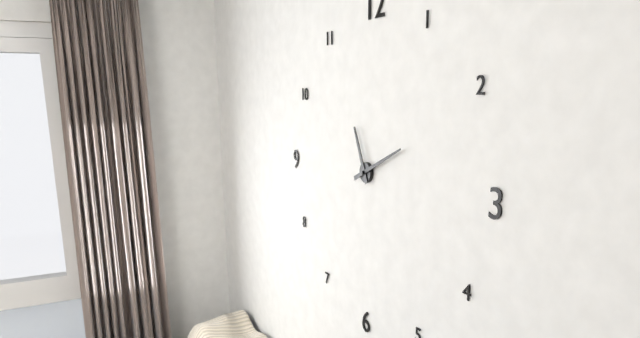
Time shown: h=11 m=11
